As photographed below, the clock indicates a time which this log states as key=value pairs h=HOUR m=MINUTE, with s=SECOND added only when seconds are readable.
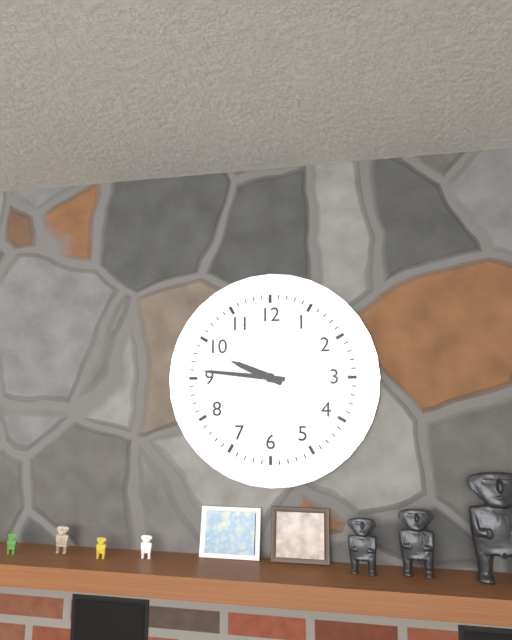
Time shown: h=9 m=46
